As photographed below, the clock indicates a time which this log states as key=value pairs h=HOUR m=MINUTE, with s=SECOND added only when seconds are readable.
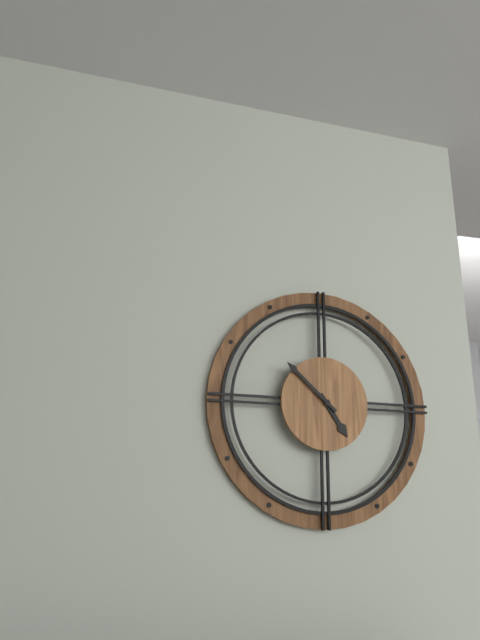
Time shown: h=4 m=52
